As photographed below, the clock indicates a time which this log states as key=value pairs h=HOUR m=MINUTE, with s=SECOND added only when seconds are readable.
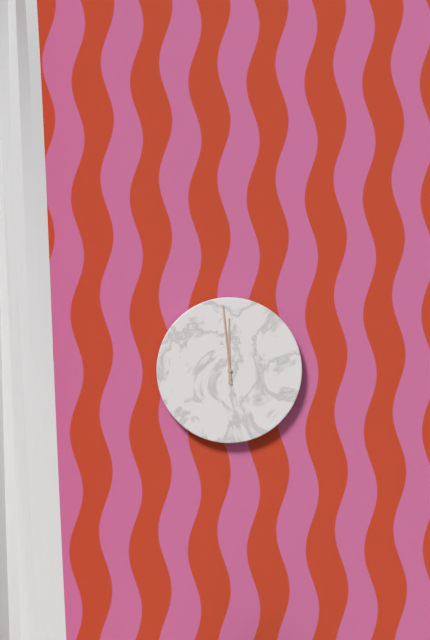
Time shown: h=11 m=59
